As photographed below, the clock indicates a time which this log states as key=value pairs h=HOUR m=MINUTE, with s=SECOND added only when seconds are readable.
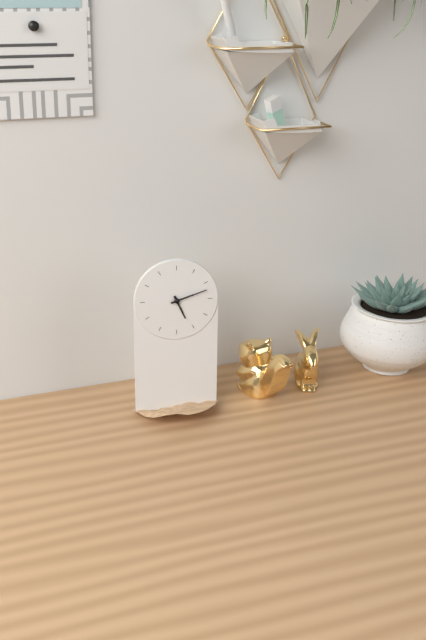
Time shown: h=5 m=12
